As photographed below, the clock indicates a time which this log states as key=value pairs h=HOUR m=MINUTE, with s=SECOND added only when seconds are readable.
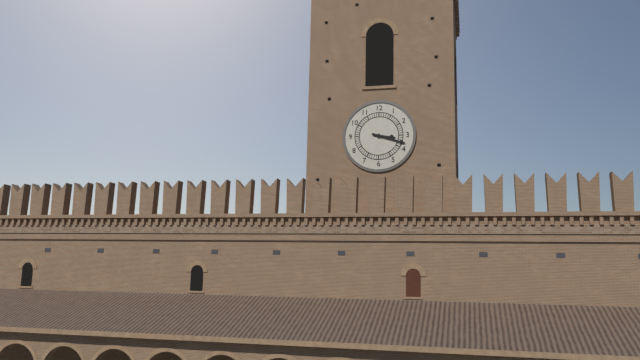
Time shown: h=3 m=18
